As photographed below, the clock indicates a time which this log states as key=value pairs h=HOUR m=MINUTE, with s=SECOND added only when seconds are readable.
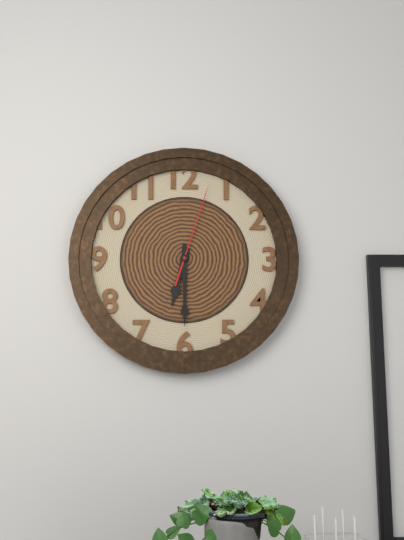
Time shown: h=6 m=30 s=3
